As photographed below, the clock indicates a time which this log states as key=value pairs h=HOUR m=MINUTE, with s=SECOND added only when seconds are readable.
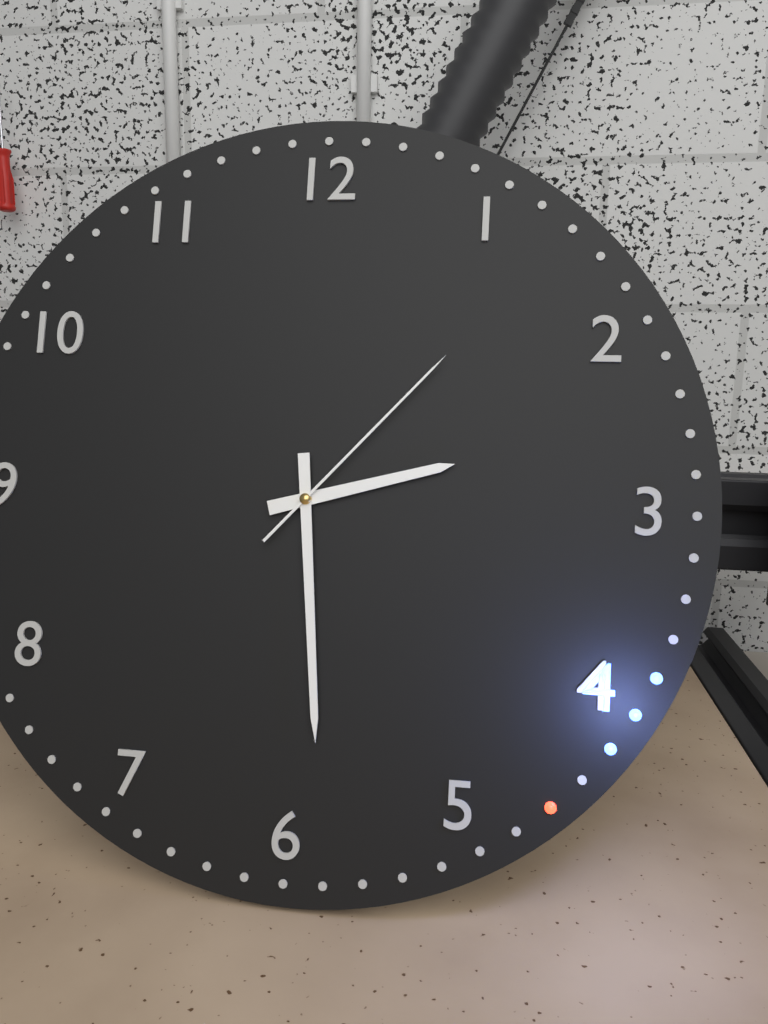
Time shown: h=2 m=29 s=7
